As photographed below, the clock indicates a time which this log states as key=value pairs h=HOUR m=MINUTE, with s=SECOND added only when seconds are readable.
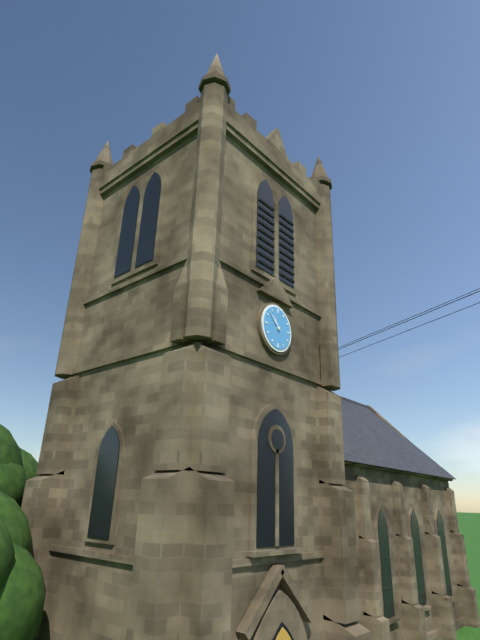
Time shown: h=10 m=52
